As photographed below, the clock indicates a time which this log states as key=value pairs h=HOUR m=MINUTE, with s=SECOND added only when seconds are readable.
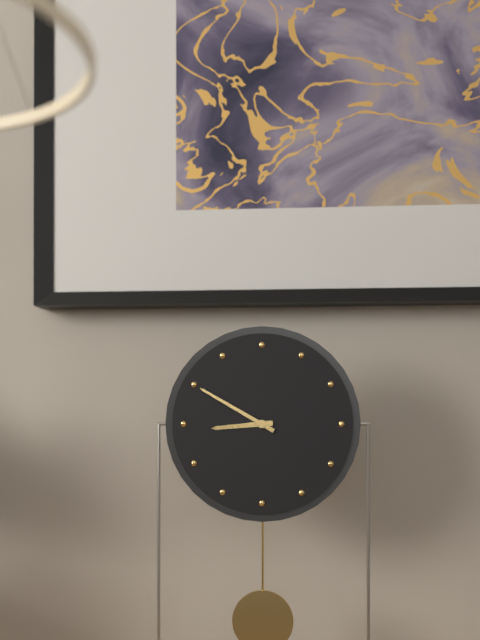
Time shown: h=8 m=50
